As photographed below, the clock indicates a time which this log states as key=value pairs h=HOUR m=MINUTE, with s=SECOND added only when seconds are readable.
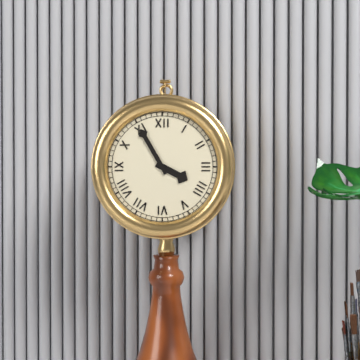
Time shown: h=3 m=55
